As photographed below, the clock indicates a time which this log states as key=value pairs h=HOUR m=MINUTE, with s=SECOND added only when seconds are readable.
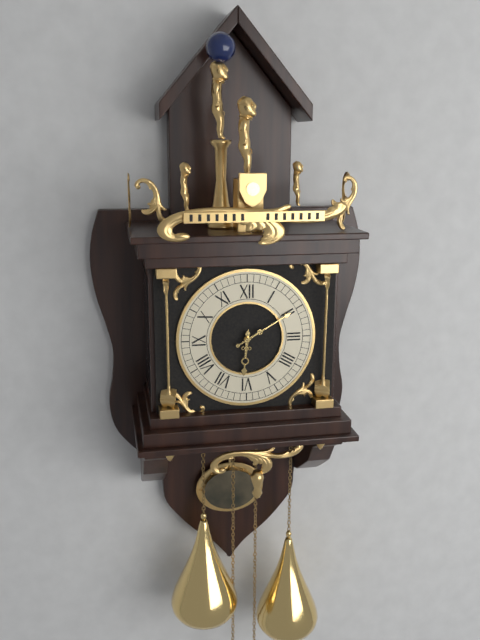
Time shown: h=6 m=10
